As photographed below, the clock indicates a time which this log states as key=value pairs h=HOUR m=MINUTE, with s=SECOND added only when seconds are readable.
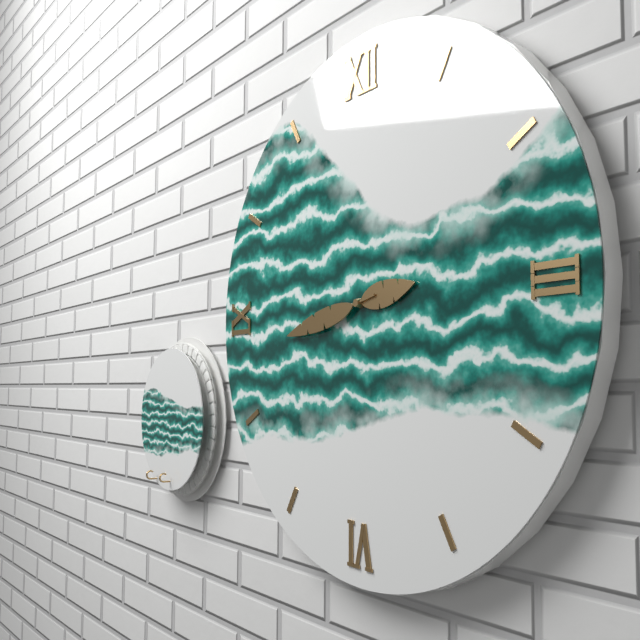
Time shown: h=2 m=43
